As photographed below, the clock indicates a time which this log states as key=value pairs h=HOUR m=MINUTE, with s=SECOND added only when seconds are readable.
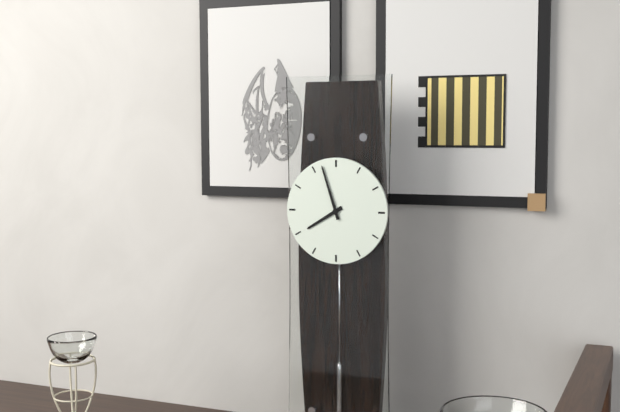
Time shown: h=7 m=57
